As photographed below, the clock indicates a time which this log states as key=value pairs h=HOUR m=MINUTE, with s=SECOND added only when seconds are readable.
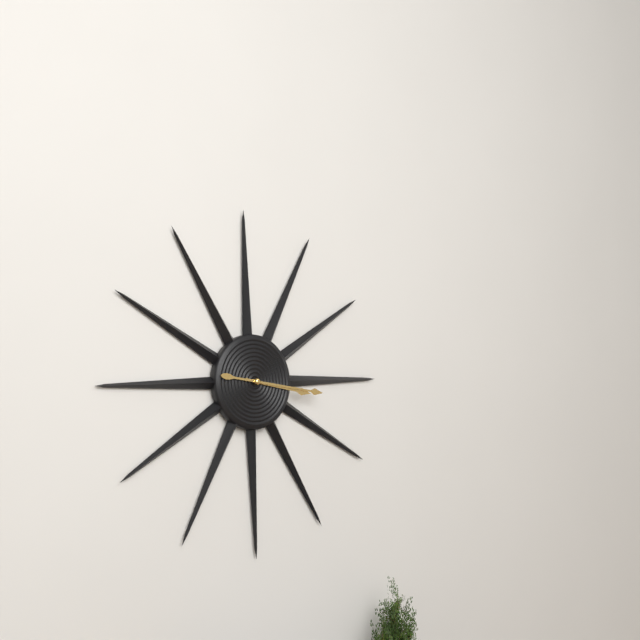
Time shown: h=3 m=16
